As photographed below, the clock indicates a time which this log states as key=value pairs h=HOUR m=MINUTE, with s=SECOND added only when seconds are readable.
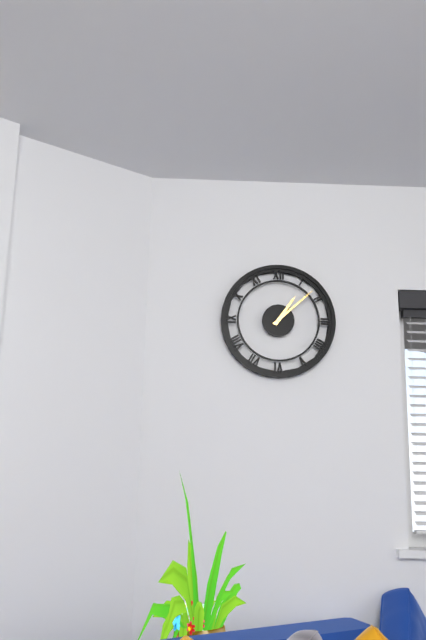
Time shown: h=1 m=8
